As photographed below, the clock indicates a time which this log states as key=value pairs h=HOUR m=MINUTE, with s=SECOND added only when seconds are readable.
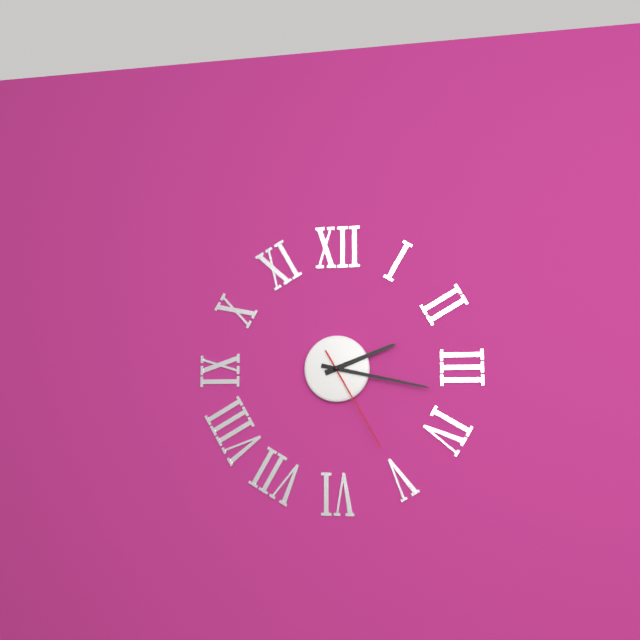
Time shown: h=2 m=17 s=25
